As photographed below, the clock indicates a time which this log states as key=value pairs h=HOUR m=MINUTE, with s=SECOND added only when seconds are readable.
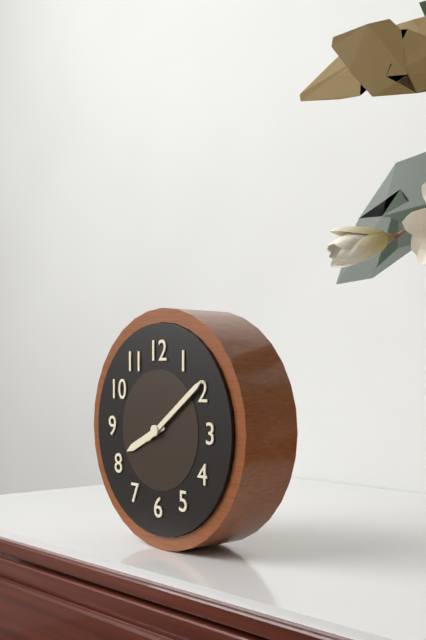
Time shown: h=8 m=9
